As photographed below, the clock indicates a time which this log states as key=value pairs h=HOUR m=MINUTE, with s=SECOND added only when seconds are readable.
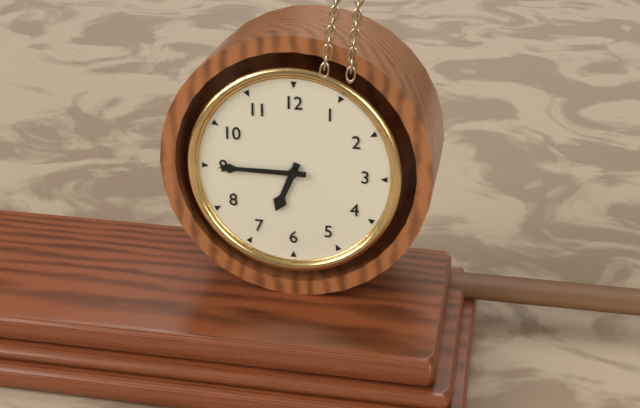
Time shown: h=6 m=45
